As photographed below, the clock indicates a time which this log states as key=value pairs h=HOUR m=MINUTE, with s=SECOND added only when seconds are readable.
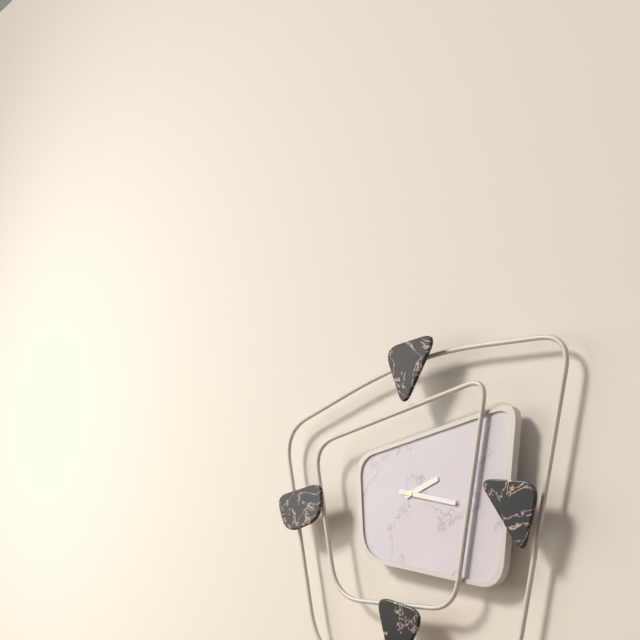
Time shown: h=2 m=17
